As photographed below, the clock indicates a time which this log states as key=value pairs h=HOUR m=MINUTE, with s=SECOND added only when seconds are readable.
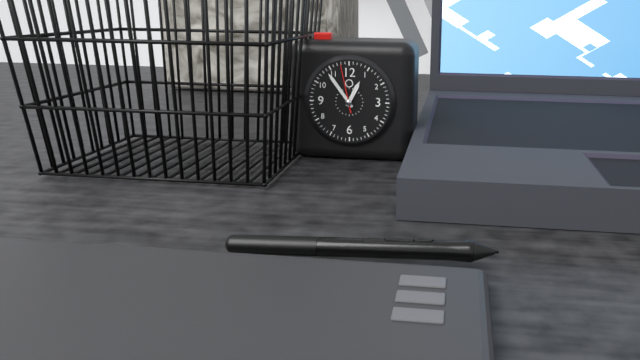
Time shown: h=12 m=54
